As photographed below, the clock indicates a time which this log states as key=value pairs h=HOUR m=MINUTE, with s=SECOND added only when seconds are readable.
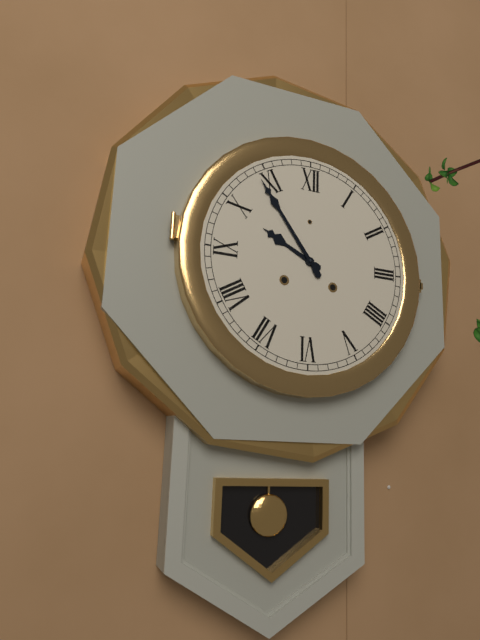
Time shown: h=9 m=54
